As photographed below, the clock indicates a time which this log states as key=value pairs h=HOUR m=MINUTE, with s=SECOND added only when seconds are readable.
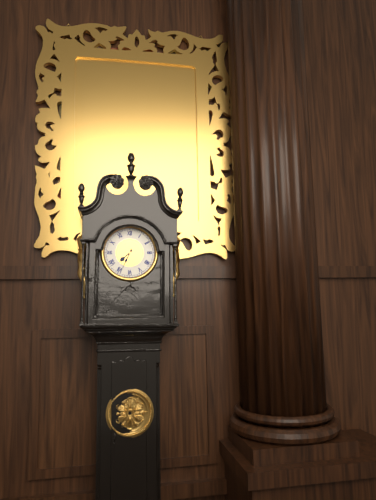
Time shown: h=7 m=34
